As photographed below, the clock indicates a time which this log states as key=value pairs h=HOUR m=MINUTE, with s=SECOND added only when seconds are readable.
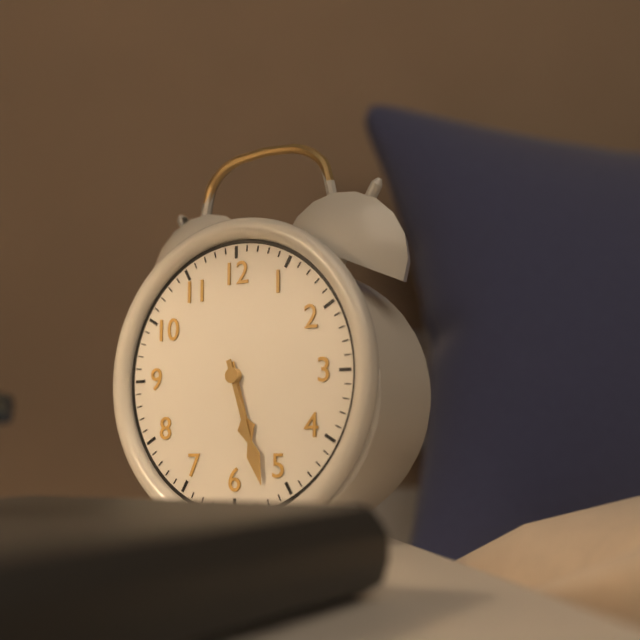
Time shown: h=5 m=27
